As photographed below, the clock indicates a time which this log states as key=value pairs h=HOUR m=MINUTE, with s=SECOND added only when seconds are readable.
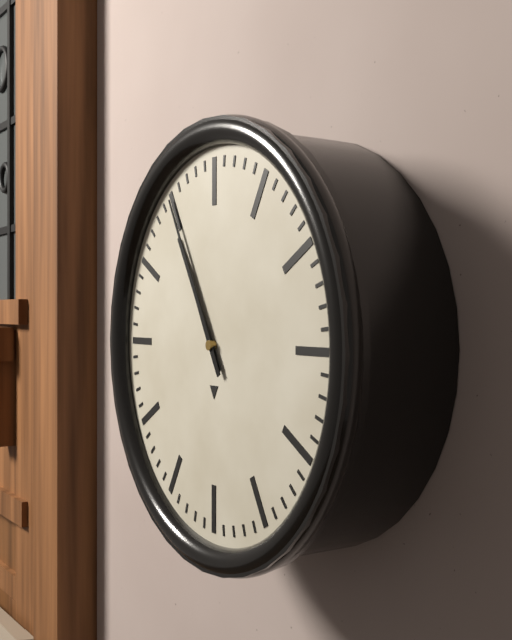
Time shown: h=10 m=55
